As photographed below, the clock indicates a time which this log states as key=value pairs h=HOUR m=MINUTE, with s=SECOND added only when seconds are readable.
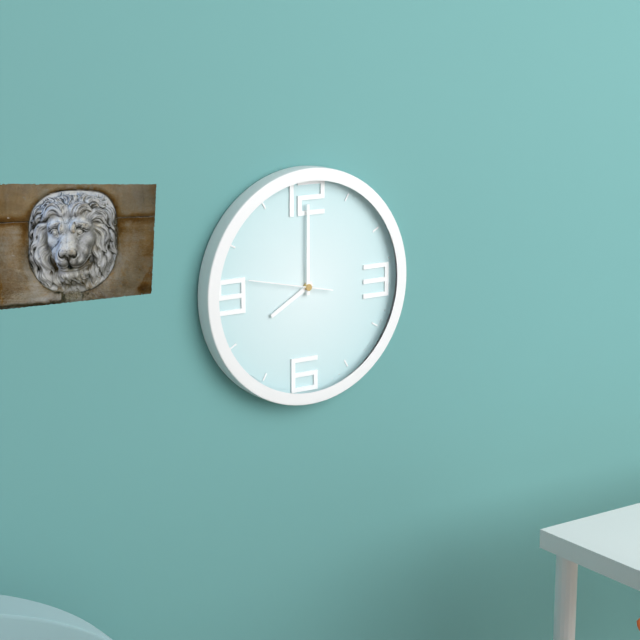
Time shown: h=8 m=0 s=47
